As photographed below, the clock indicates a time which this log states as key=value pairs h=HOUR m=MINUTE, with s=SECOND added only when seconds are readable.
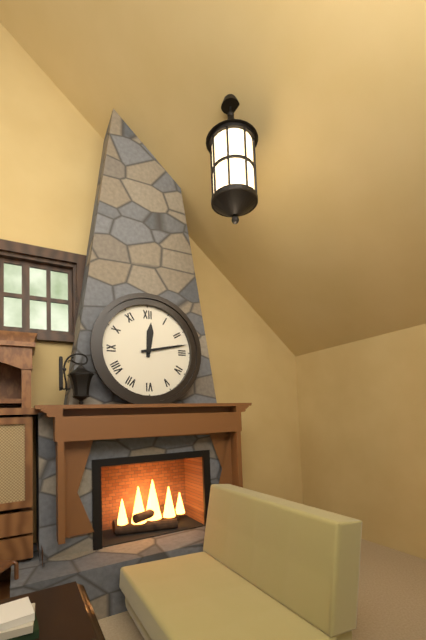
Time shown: h=12 m=13
